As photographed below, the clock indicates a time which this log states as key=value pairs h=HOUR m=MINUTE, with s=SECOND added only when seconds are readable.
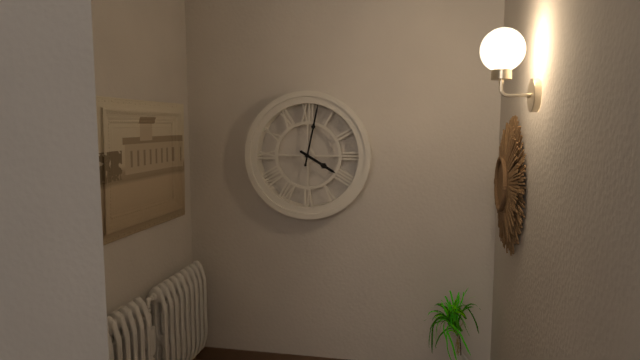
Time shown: h=4 m=2
